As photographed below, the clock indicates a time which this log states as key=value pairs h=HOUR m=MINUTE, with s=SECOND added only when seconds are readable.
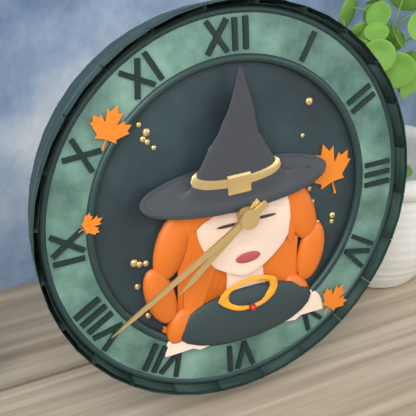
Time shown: h=7 m=40
